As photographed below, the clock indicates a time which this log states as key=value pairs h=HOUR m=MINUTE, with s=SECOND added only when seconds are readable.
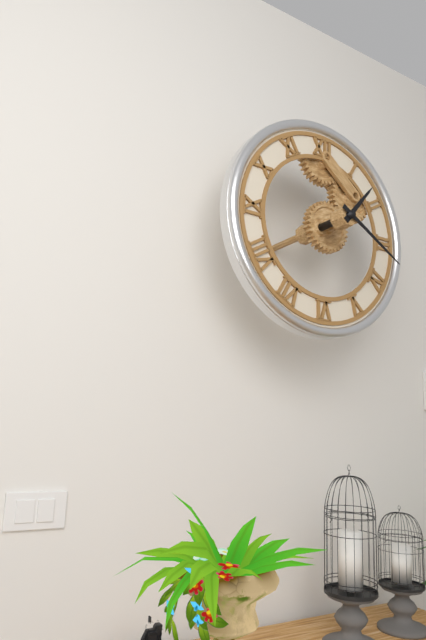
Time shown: h=1 m=20
